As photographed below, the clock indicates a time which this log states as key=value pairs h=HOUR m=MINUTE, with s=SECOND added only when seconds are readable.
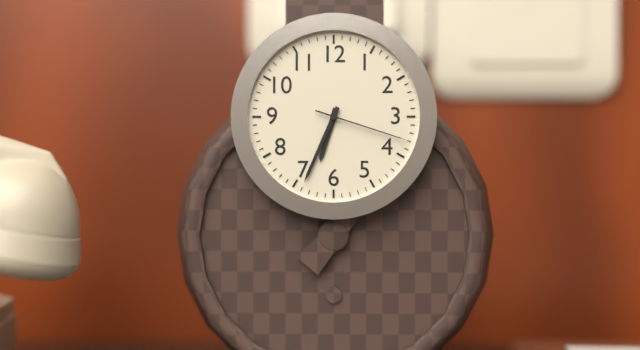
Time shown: h=6 m=34 s=18
